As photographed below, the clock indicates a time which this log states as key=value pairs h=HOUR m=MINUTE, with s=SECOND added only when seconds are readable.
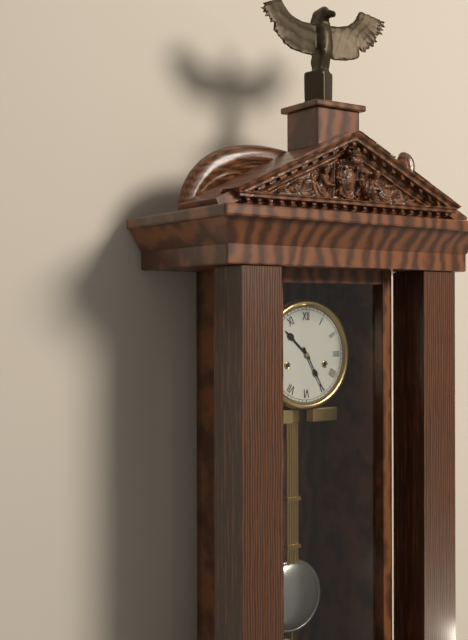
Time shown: h=10 m=25
